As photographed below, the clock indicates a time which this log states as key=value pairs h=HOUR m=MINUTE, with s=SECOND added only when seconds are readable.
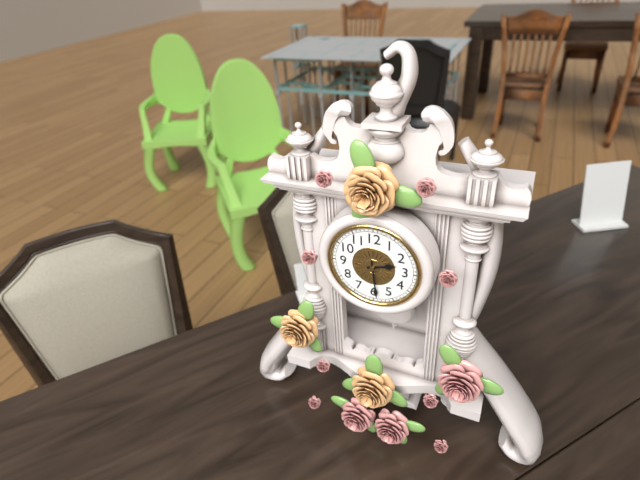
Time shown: h=2 m=29
